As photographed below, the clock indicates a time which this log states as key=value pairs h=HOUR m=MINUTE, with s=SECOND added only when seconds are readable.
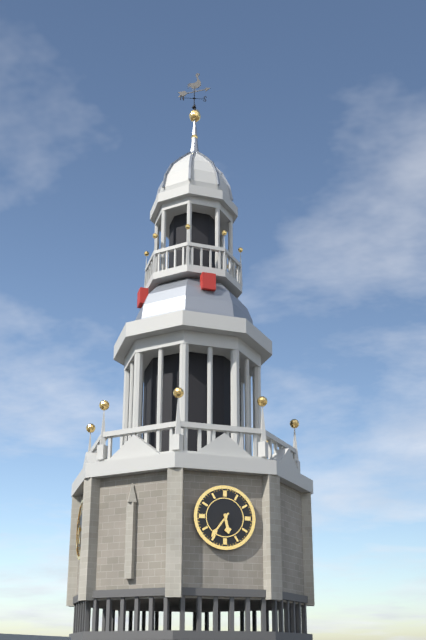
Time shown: h=5 m=36
